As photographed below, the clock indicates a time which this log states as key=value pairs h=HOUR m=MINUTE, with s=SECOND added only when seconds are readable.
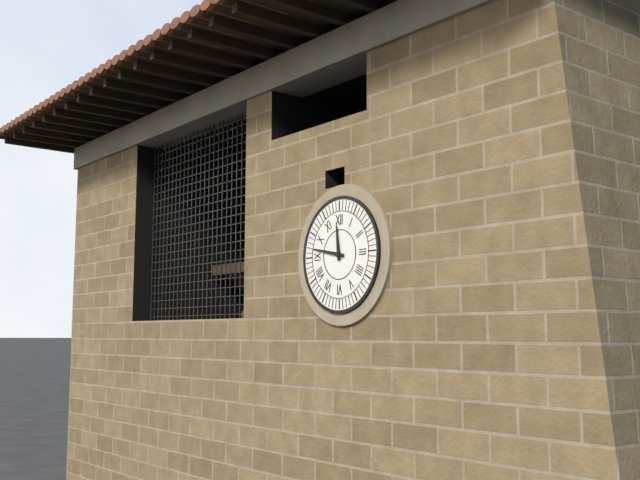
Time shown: h=11 m=47
